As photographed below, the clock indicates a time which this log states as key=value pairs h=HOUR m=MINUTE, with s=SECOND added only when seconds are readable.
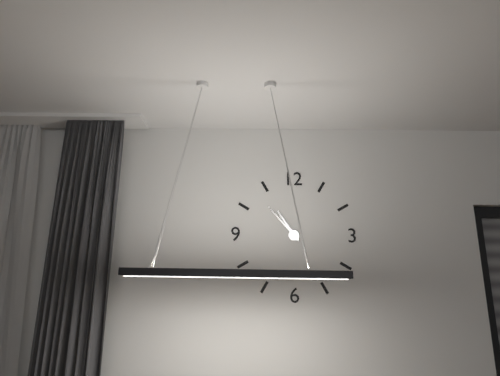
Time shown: h=10 m=53
